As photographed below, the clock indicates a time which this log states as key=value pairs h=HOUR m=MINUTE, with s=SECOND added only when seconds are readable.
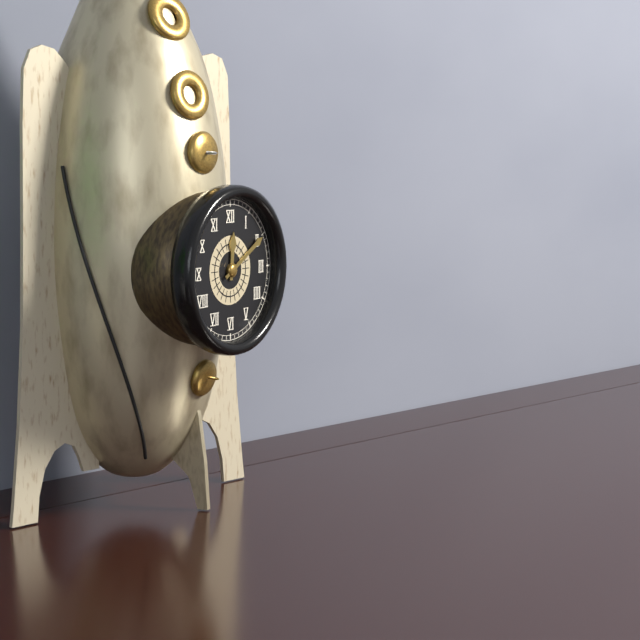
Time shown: h=12 m=10
